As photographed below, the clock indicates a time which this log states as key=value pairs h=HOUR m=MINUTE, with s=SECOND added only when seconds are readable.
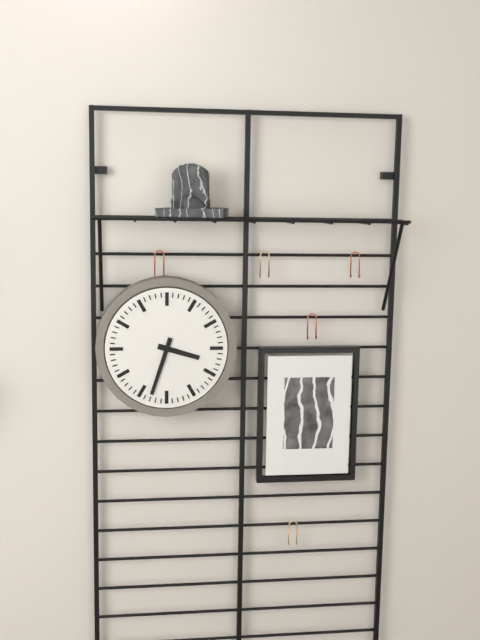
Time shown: h=3 m=33
